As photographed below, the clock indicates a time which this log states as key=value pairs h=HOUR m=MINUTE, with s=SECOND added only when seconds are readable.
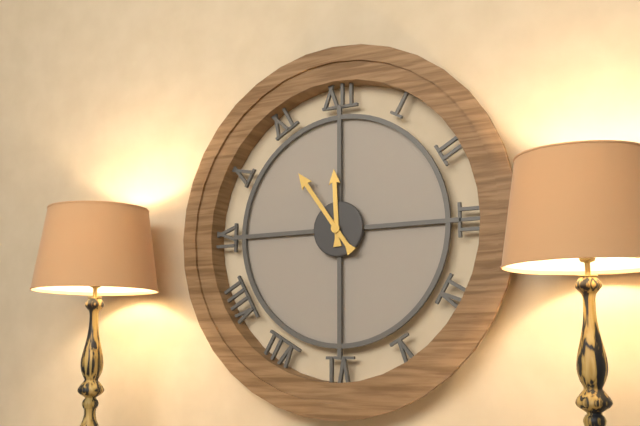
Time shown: h=11 m=54
